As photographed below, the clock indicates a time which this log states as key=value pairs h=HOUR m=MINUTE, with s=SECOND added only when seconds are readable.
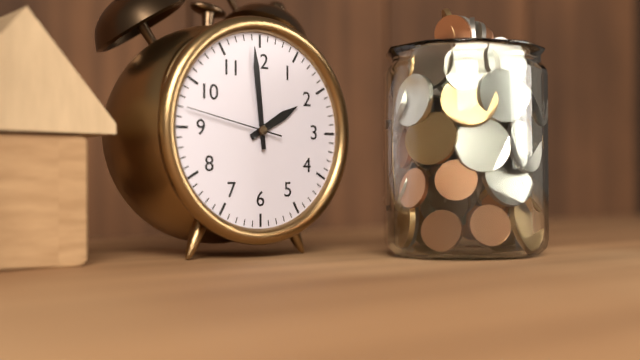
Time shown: h=1 m=59 s=47
